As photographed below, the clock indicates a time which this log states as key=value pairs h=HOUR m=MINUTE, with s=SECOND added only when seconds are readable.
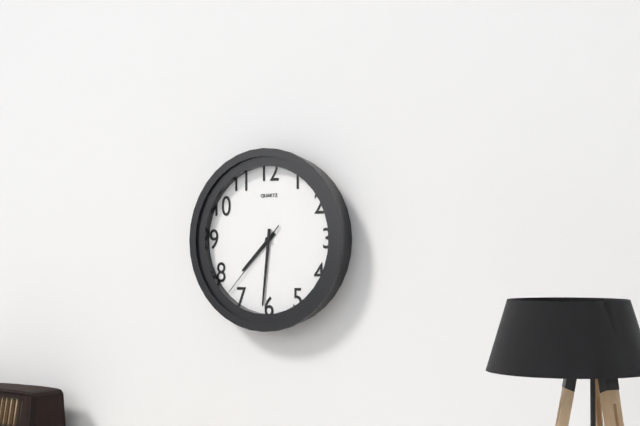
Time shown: h=7 m=31 s=37
